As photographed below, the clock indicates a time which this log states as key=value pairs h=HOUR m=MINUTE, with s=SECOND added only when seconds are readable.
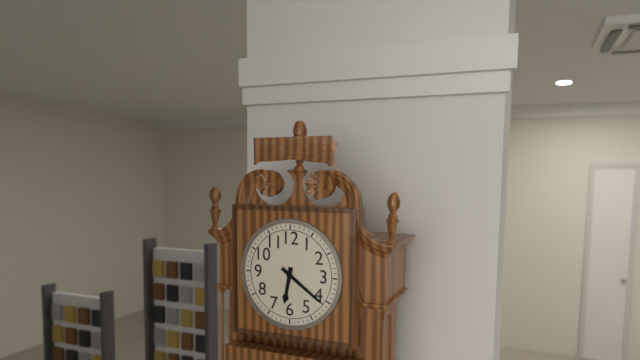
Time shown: h=6 m=21
